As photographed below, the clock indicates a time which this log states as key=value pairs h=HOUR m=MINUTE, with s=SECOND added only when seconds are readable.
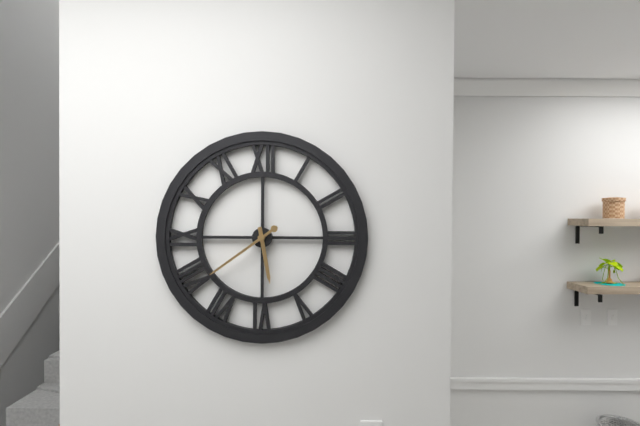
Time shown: h=5 m=39
